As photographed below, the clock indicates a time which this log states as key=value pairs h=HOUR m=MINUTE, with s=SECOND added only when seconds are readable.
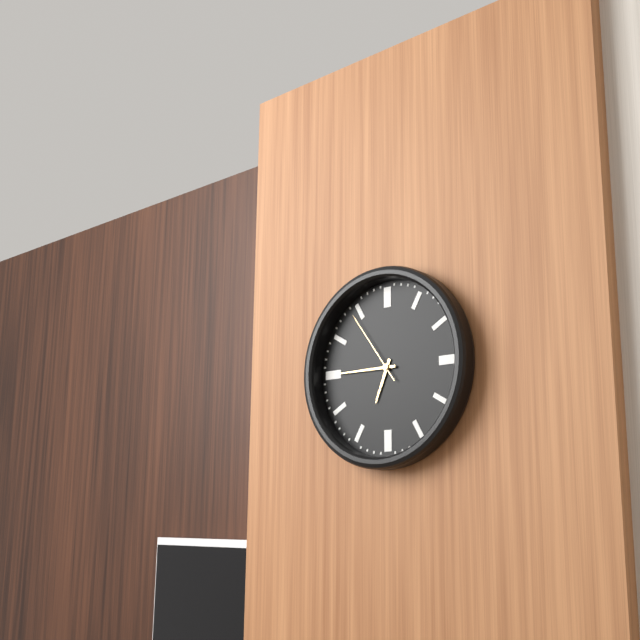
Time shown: h=6 m=45 s=54
